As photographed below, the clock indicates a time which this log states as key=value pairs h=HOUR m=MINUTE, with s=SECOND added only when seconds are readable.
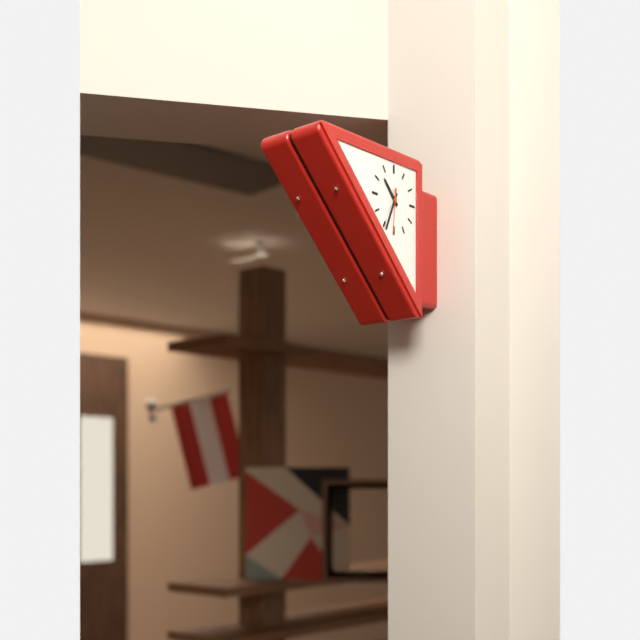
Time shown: h=10 m=34
